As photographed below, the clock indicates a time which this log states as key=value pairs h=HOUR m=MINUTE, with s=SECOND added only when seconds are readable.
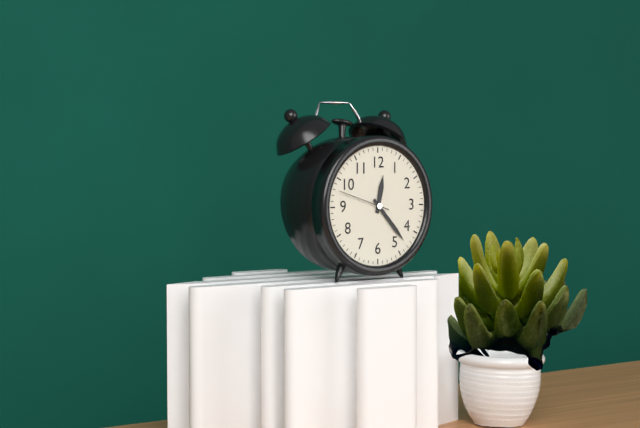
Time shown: h=12 m=23 s=48
